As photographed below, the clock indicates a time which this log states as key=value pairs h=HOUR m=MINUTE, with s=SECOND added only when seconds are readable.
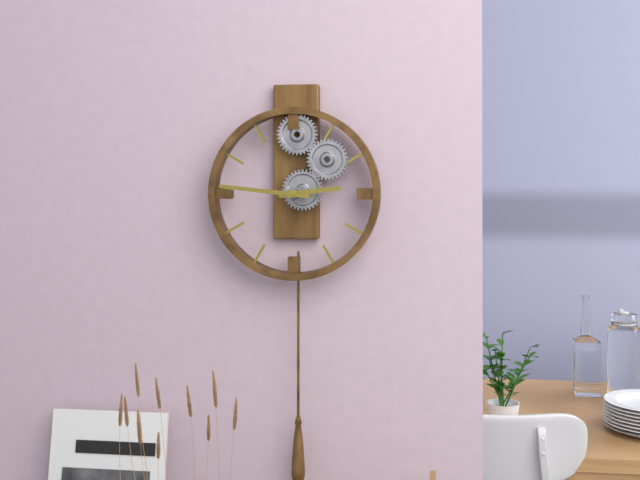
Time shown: h=2 m=46
